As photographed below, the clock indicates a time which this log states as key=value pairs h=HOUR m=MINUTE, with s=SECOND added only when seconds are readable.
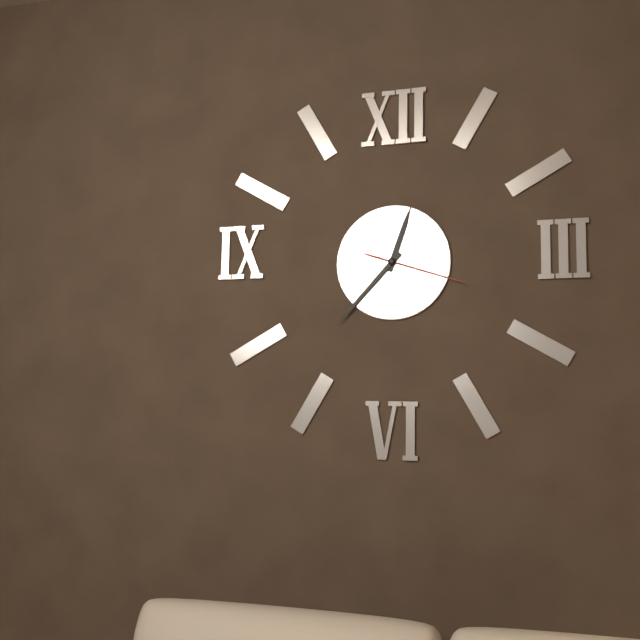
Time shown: h=12 m=37 s=18
